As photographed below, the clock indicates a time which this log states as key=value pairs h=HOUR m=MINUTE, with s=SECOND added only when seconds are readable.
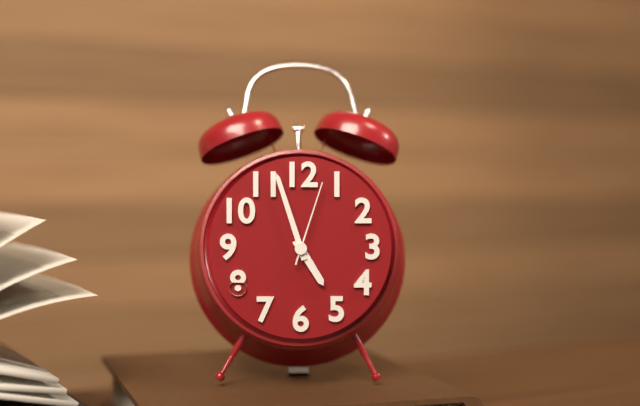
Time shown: h=4 m=57 s=3
